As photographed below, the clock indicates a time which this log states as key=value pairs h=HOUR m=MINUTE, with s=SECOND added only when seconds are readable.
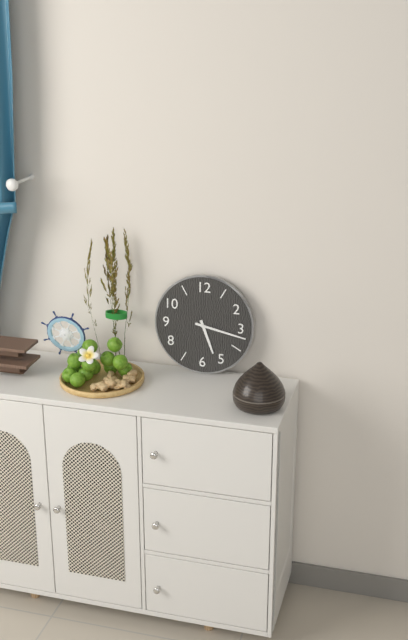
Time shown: h=5 m=17
